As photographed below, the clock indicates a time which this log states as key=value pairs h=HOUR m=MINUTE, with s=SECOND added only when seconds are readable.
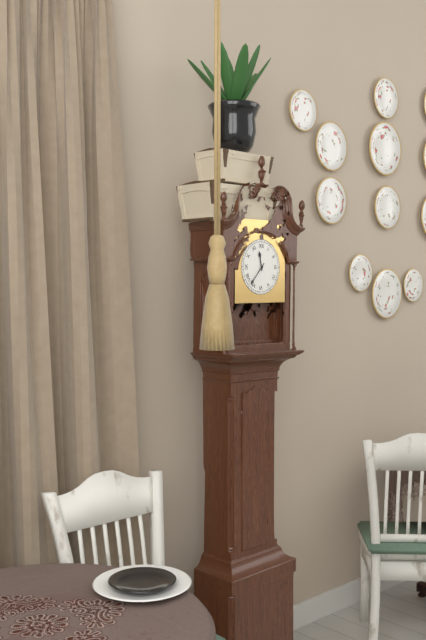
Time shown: h=11 m=37
